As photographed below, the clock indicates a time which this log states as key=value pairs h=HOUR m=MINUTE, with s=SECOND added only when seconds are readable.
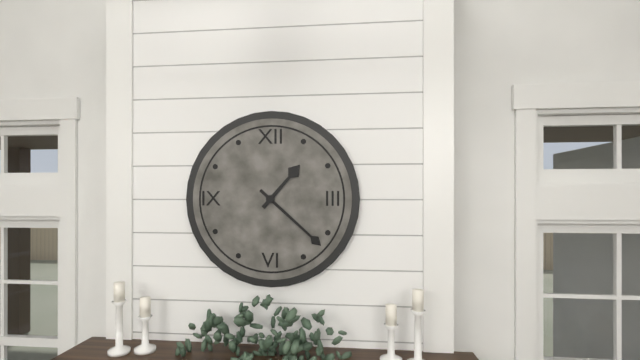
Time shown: h=1 m=22
